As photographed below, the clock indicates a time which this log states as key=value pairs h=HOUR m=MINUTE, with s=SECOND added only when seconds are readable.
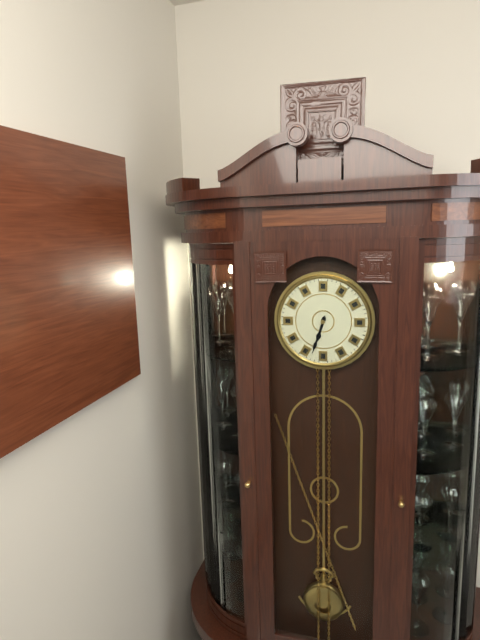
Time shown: h=6 m=33
